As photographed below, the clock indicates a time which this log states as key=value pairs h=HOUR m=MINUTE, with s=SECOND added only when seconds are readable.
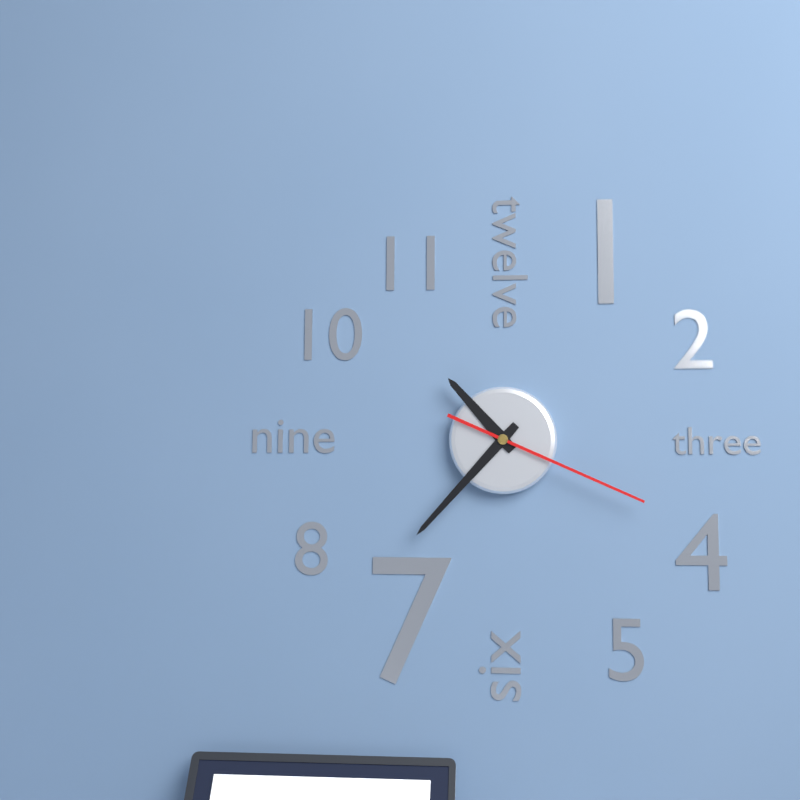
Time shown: h=10 m=37 s=19
